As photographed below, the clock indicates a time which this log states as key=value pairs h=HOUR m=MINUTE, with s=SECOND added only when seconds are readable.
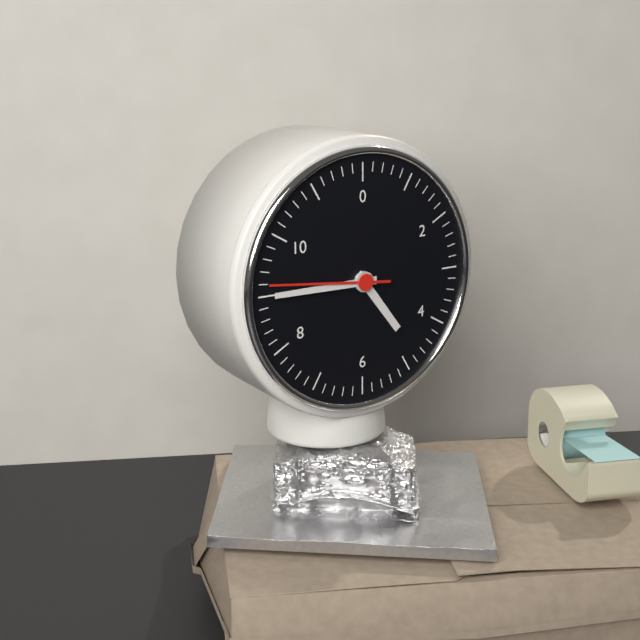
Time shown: h=4 m=45 s=46
